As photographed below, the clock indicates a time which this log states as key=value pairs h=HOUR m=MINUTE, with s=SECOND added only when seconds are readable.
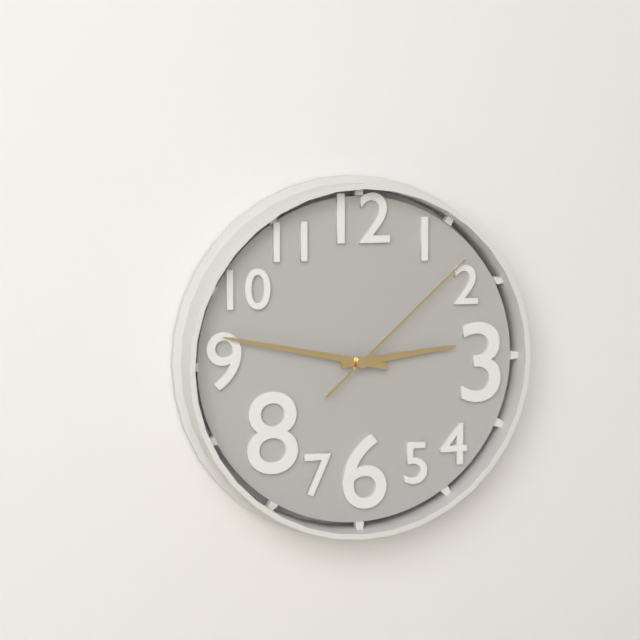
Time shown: h=2 m=47 s=8
